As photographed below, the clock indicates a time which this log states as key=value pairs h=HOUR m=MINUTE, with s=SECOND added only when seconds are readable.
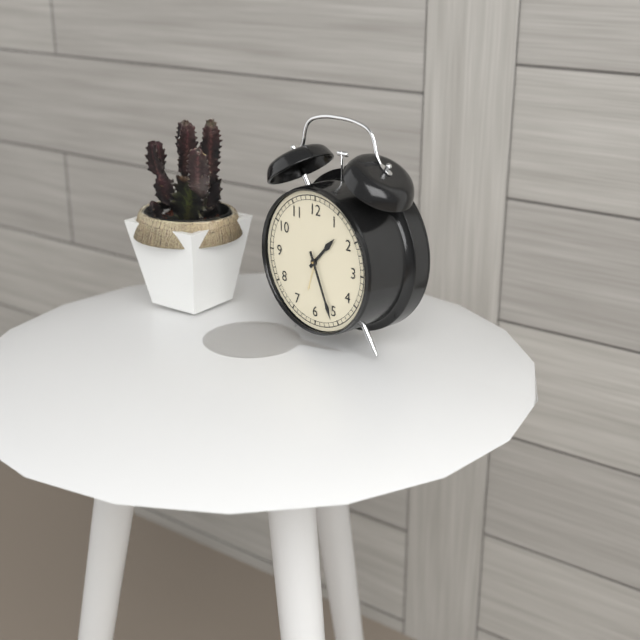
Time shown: h=1 m=26
